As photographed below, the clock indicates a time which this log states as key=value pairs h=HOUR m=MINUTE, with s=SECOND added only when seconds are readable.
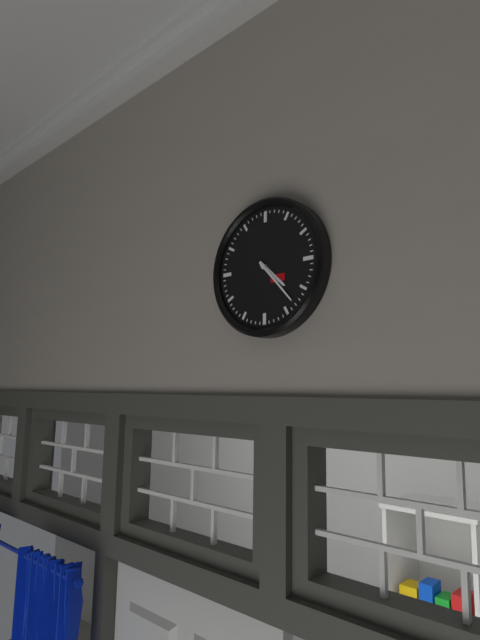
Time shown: h=4 m=23
